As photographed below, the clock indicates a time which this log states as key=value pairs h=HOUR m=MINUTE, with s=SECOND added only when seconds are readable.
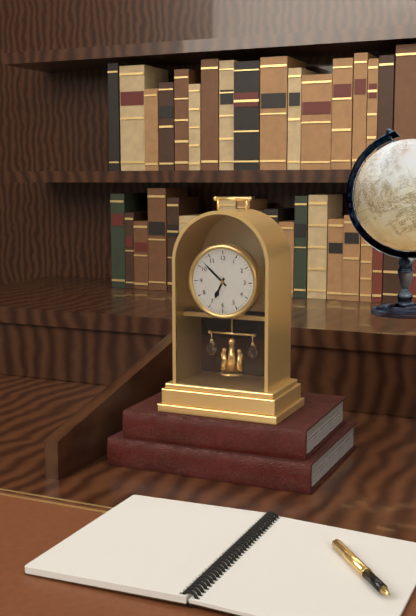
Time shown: h=6 m=52
